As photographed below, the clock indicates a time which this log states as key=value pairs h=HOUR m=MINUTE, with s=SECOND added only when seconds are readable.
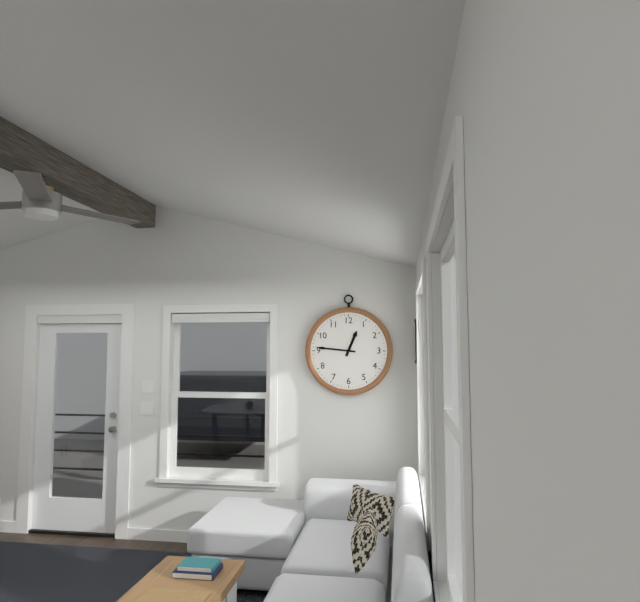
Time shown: h=12 m=46
